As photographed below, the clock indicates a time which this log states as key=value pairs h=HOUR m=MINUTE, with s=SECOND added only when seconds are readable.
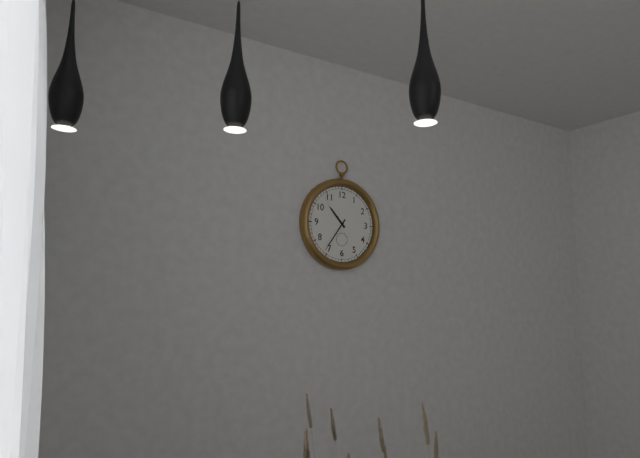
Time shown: h=10 m=36
